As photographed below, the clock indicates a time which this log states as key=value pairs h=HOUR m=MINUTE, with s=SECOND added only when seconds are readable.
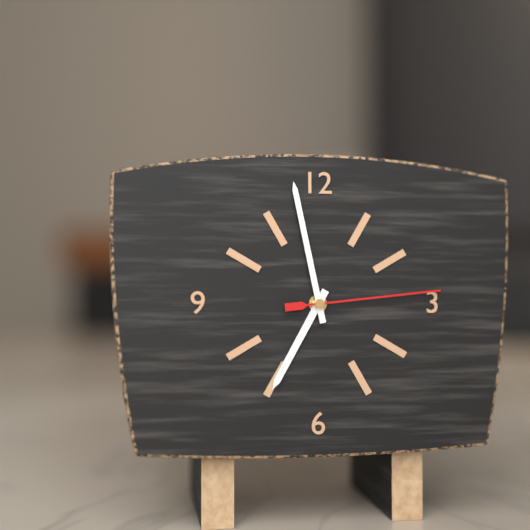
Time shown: h=6 m=58 s=14
